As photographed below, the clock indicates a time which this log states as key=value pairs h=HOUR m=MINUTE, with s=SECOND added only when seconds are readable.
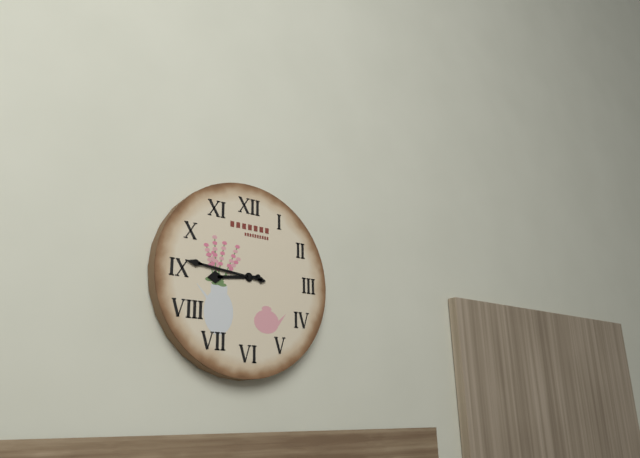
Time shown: h=8 m=46
